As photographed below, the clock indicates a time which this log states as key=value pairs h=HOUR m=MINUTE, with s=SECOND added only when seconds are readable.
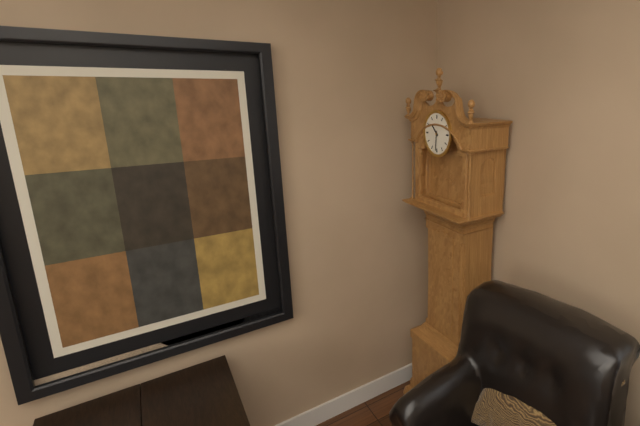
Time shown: h=10 m=31
